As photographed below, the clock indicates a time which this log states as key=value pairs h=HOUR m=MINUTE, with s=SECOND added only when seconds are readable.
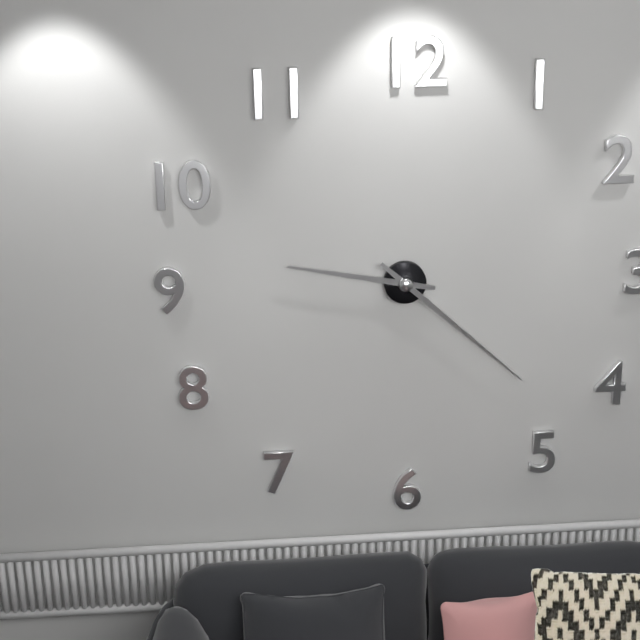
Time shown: h=9 m=22
